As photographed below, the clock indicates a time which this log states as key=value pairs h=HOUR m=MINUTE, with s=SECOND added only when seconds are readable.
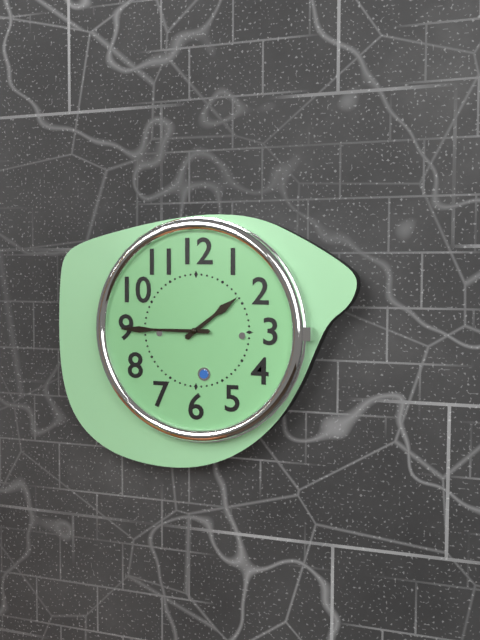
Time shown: h=1 m=45
